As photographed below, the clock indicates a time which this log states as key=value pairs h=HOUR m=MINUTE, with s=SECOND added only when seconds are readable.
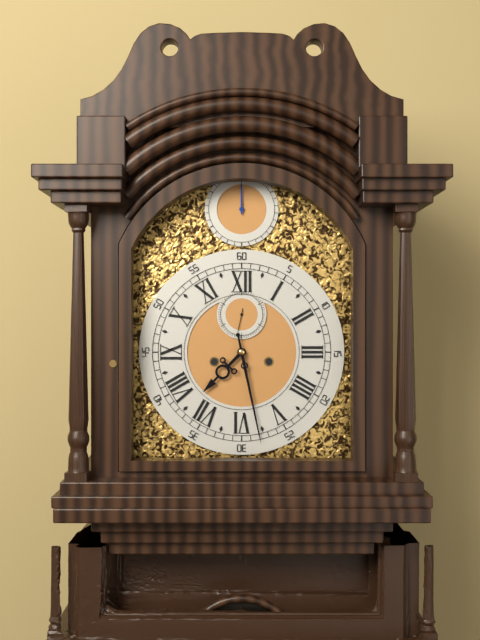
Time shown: h=7 m=28
